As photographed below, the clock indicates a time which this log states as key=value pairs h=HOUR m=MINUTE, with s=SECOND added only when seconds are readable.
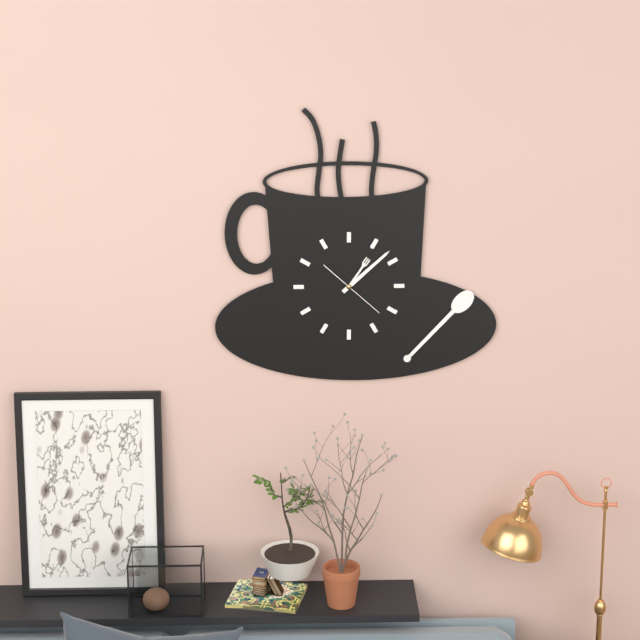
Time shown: h=1 m=8 s=22
